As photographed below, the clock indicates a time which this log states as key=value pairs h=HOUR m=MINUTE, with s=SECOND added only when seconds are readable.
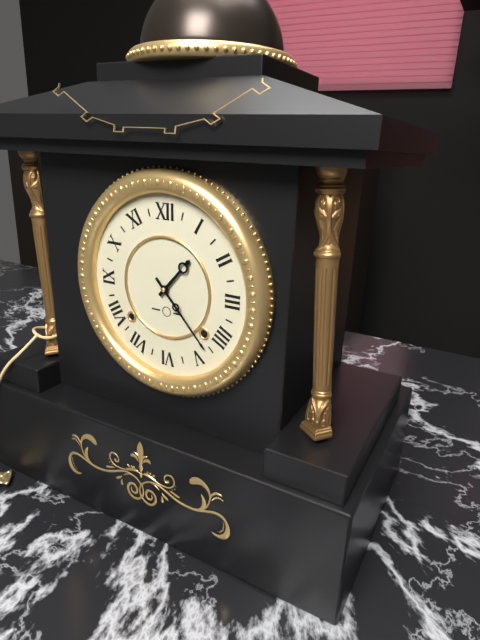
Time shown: h=1 m=23
